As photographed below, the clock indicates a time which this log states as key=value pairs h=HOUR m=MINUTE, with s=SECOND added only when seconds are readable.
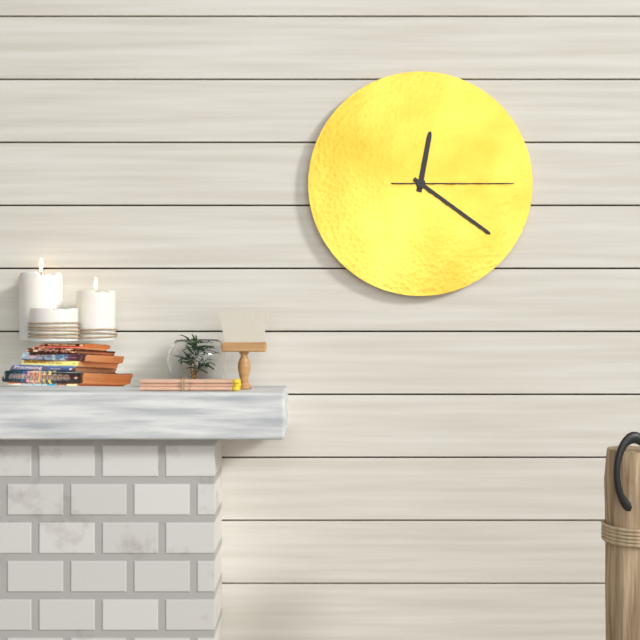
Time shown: h=12 m=21 s=15
